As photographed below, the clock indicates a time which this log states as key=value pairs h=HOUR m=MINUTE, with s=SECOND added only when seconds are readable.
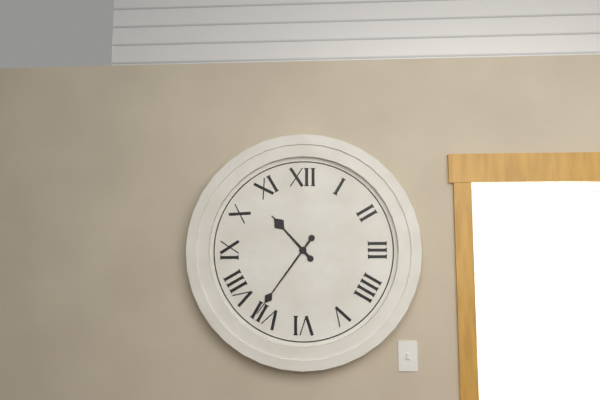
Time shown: h=10 m=36
